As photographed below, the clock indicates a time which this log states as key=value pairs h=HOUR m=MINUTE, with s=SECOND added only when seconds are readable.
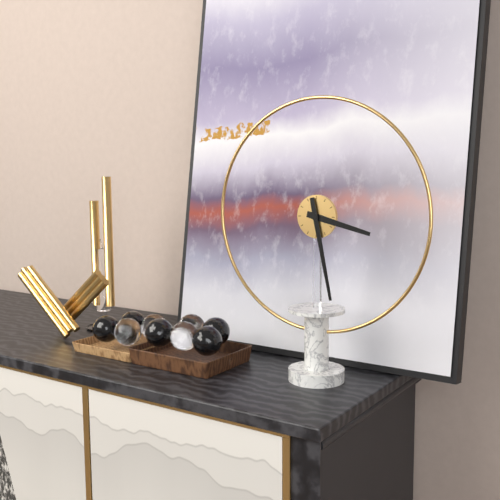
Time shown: h=3 m=28
